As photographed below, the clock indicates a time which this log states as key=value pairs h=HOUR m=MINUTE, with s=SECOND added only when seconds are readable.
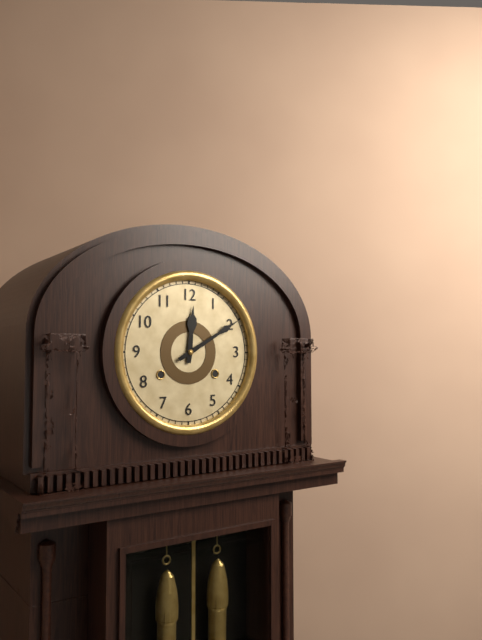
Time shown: h=12 m=10
